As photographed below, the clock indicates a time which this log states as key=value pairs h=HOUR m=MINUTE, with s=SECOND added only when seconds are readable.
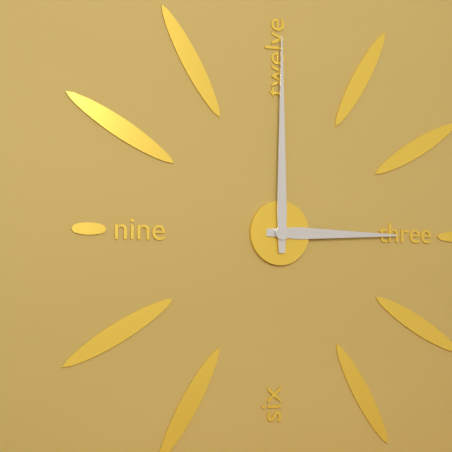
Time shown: h=3 m=0
